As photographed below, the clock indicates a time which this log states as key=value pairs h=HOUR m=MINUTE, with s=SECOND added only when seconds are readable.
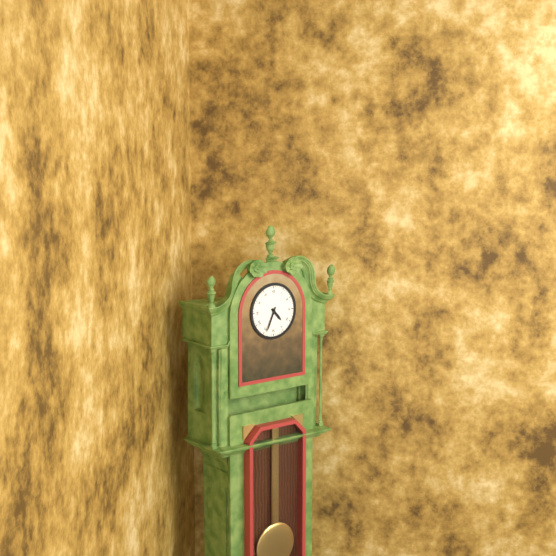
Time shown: h=4 m=34
